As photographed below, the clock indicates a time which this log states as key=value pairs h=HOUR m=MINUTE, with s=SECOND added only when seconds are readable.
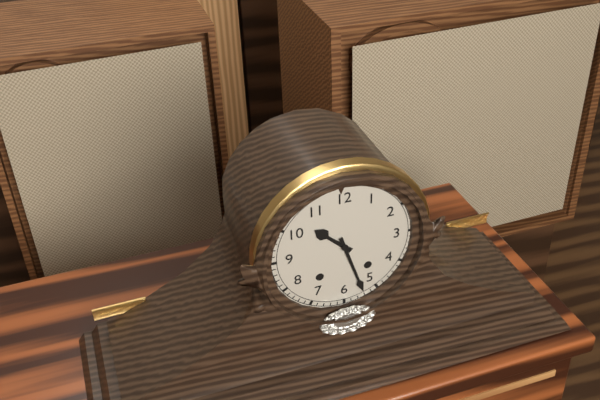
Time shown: h=10 m=27
